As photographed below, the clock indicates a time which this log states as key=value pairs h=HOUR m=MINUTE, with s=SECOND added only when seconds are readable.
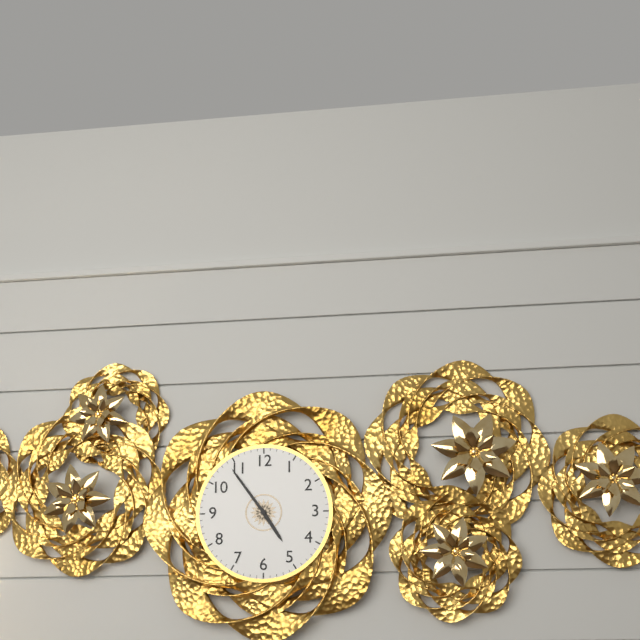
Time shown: h=4 m=54
